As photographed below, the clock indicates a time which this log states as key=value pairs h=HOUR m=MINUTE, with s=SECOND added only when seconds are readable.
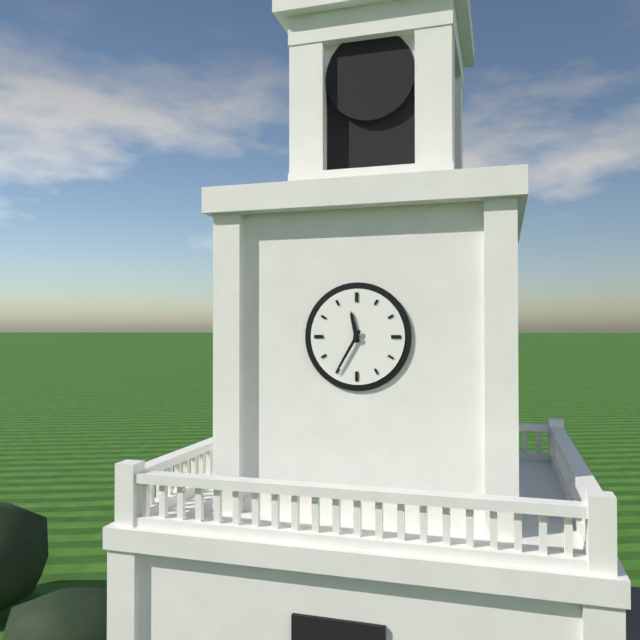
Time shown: h=11 m=35
